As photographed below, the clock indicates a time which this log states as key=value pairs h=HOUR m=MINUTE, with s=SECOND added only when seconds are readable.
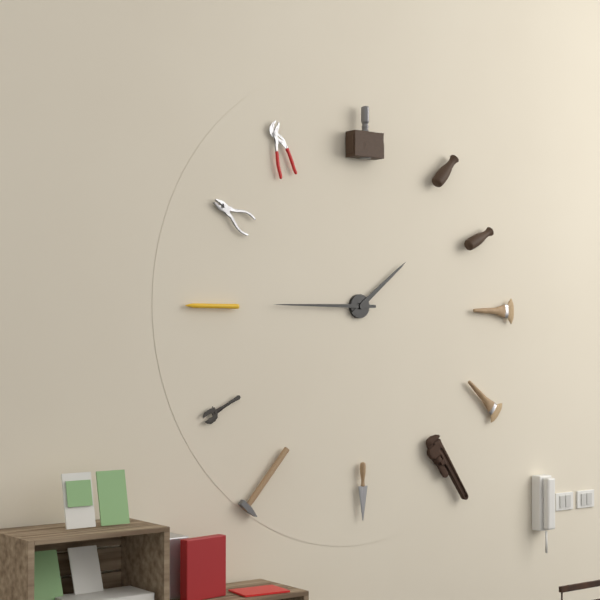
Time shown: h=1 m=45
